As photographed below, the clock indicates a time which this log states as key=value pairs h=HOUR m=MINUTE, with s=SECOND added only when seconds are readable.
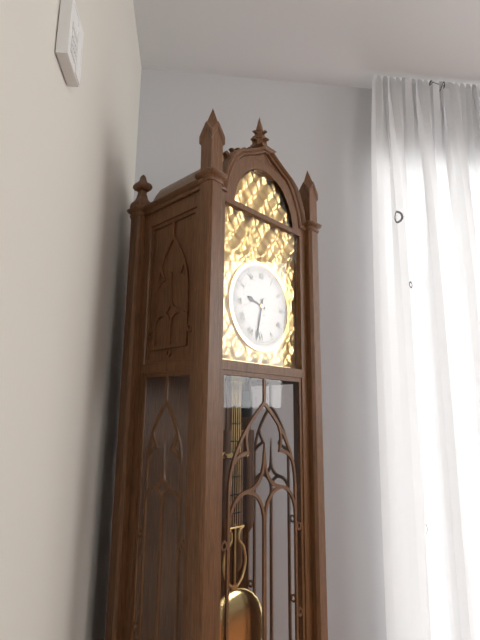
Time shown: h=9 m=32
